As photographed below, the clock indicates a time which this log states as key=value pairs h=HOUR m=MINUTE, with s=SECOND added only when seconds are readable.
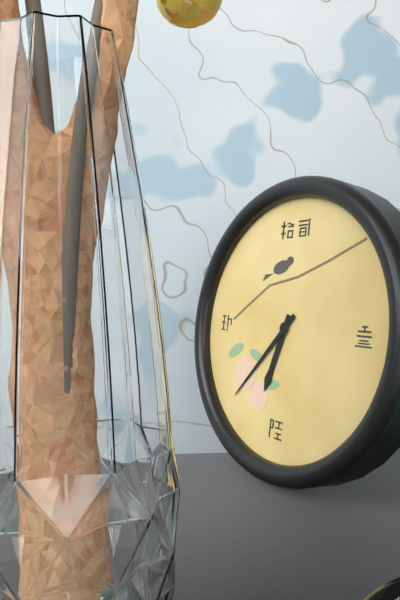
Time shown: h=6 m=37
